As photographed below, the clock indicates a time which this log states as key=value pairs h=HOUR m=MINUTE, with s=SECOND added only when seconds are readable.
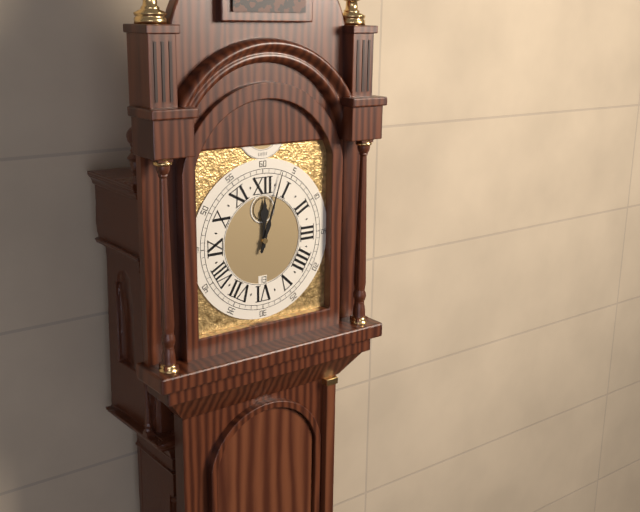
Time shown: h=12 m=3
